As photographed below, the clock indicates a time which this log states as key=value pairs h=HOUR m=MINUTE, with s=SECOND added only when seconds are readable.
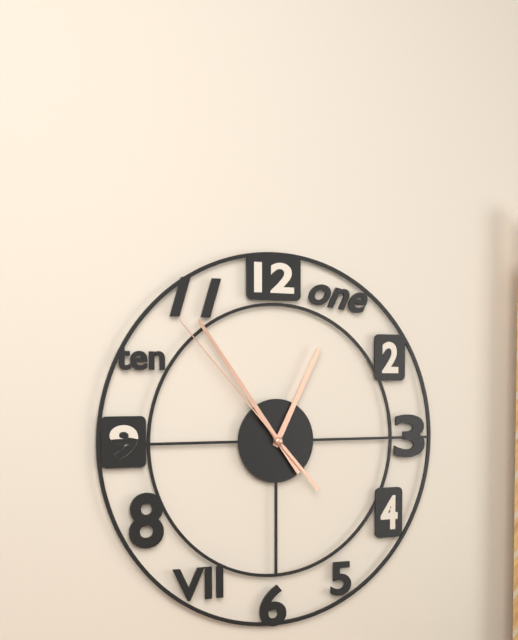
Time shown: h=12 m=54 s=53
